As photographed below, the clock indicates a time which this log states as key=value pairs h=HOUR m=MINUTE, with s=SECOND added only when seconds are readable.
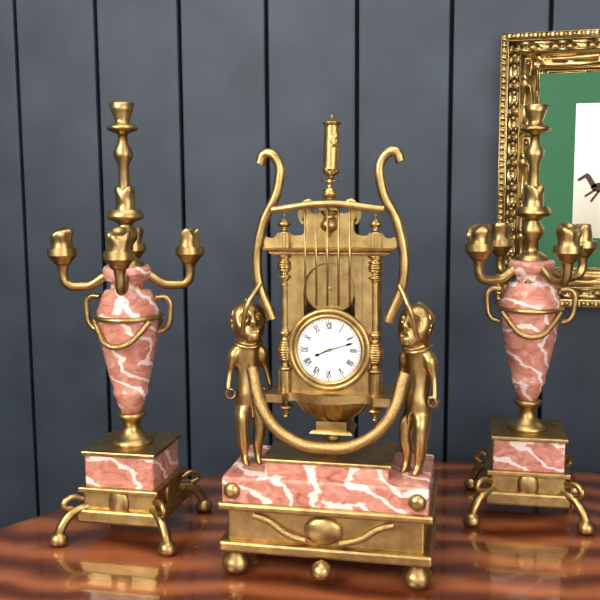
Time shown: h=8 m=12
